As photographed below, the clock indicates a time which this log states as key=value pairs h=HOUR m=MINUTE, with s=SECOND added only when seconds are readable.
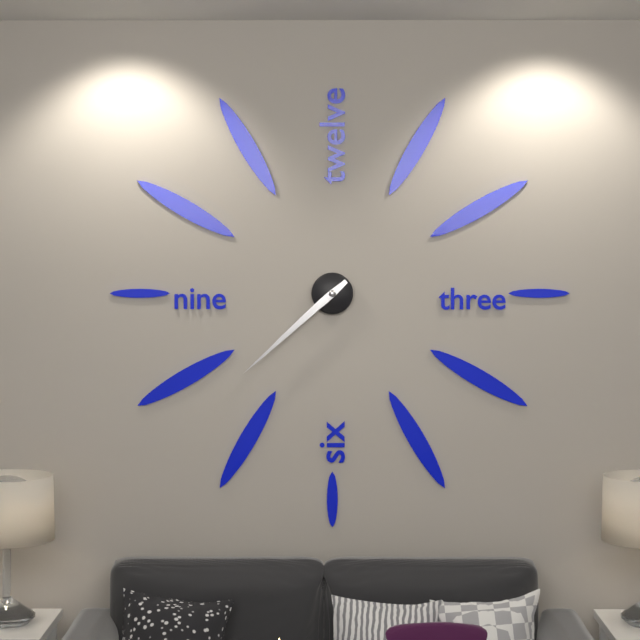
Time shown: h=7 m=38
